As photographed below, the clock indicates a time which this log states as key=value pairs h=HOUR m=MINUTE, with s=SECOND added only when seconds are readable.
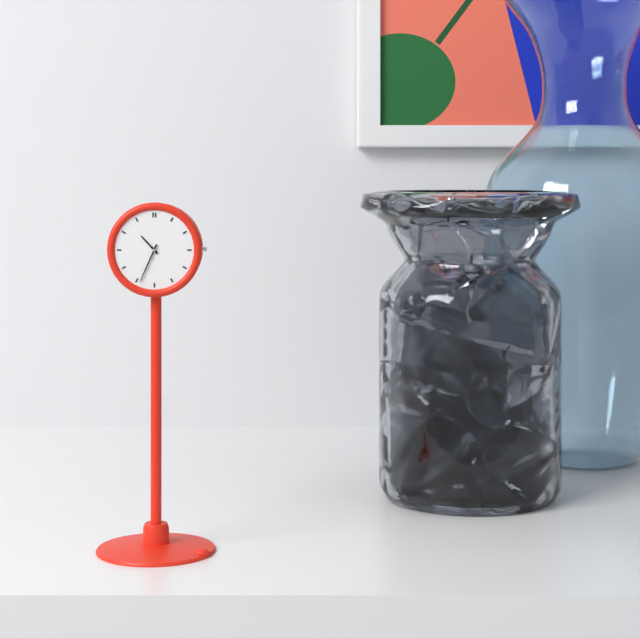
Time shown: h=10 m=34
